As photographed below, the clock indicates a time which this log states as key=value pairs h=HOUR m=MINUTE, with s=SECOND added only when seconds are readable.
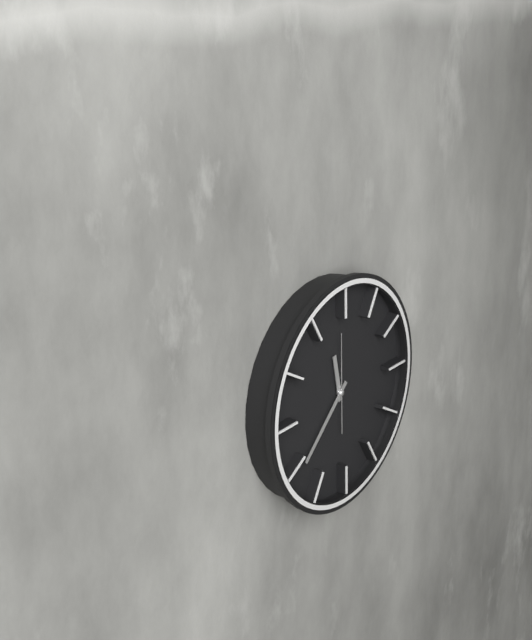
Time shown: h=11 m=38 s=0
